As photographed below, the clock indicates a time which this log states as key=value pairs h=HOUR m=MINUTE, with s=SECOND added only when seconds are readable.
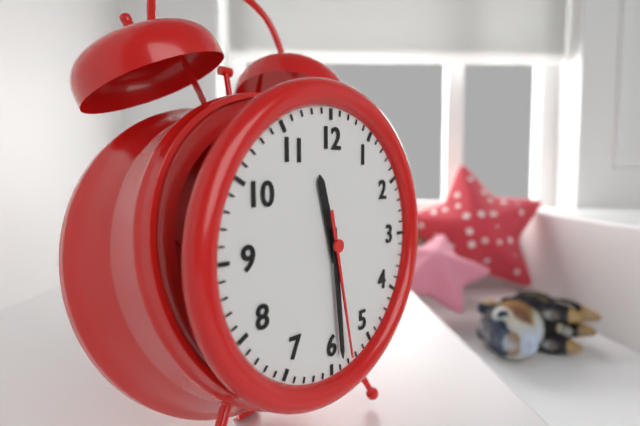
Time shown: h=11 m=29 s=28
